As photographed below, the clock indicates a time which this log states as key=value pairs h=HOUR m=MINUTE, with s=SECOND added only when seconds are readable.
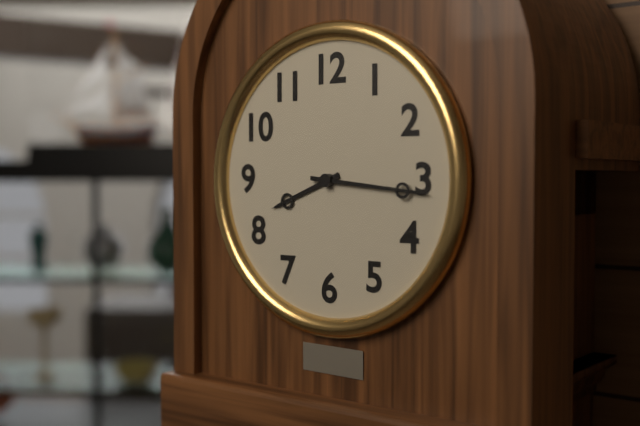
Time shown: h=8 m=16
